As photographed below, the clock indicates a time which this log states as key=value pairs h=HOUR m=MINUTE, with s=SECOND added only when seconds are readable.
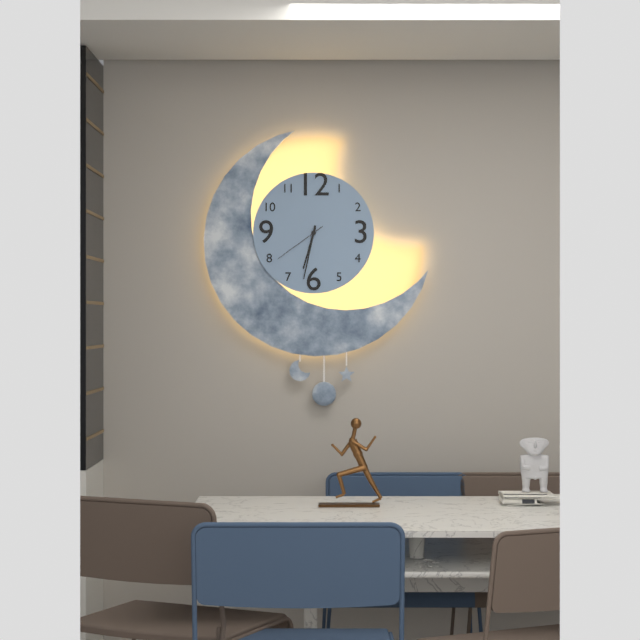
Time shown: h=6 m=32 s=39
